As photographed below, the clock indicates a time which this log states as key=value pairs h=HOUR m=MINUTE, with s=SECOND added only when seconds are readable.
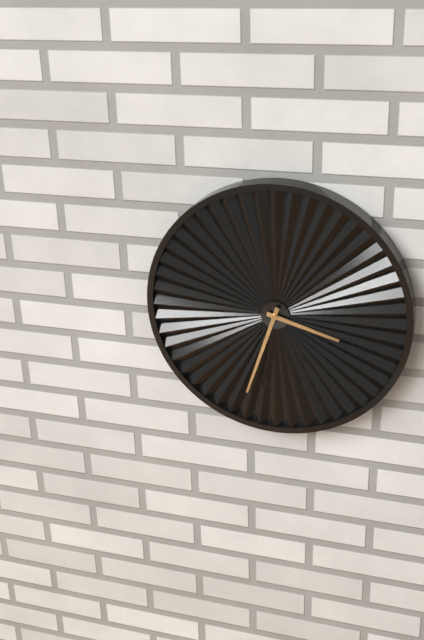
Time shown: h=3 m=33
